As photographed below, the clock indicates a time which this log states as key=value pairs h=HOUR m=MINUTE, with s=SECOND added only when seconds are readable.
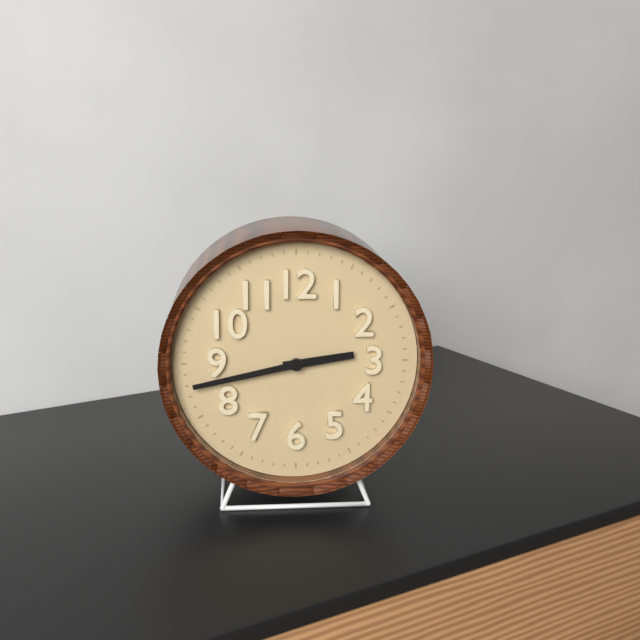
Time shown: h=2 m=43
